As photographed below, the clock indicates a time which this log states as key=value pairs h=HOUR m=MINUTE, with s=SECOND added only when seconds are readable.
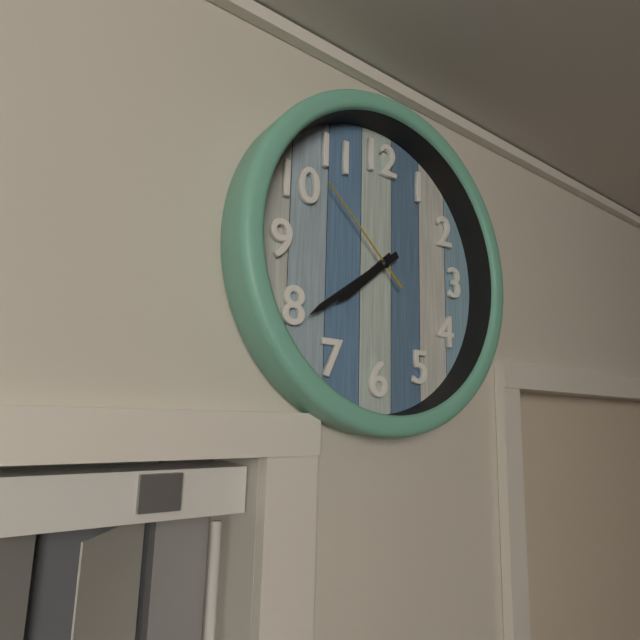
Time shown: h=7 m=39 s=52
